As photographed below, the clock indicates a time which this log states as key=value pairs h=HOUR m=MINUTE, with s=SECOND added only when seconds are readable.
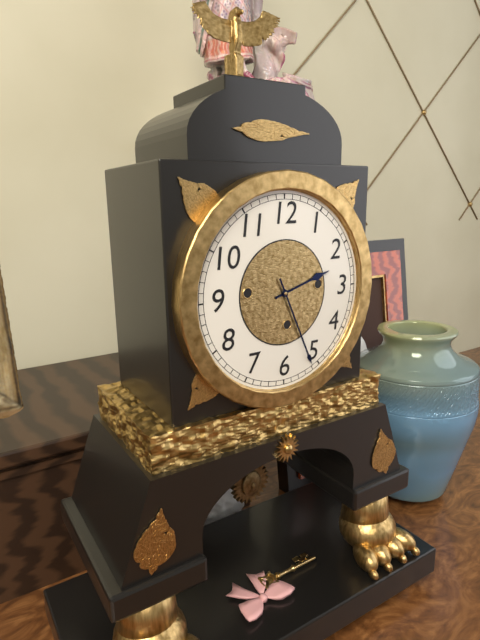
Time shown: h=2 m=26
